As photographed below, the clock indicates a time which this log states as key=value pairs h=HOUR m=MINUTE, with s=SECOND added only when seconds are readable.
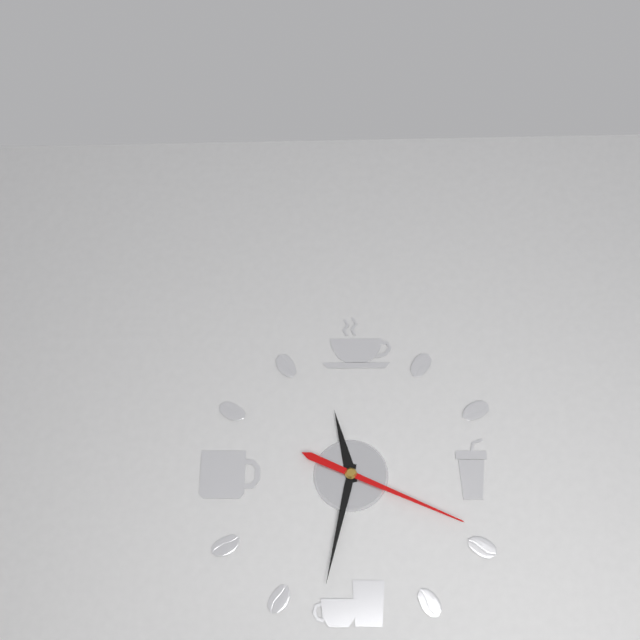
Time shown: h=11 m=32 s=19
